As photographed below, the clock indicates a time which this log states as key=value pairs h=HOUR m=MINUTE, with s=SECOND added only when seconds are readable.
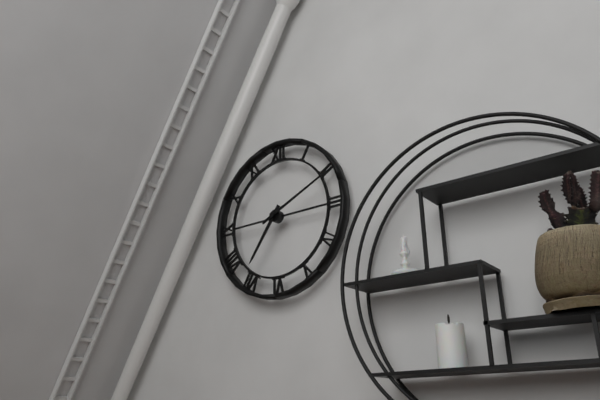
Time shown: h=7 m=11
